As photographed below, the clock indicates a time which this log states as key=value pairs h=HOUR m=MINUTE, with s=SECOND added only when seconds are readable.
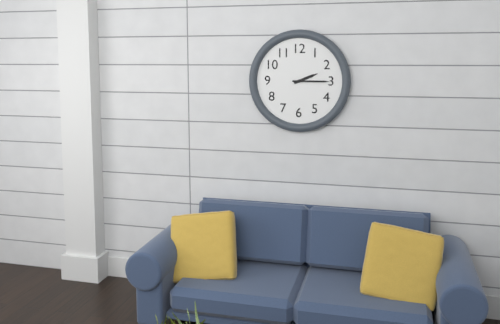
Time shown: h=2 m=15
